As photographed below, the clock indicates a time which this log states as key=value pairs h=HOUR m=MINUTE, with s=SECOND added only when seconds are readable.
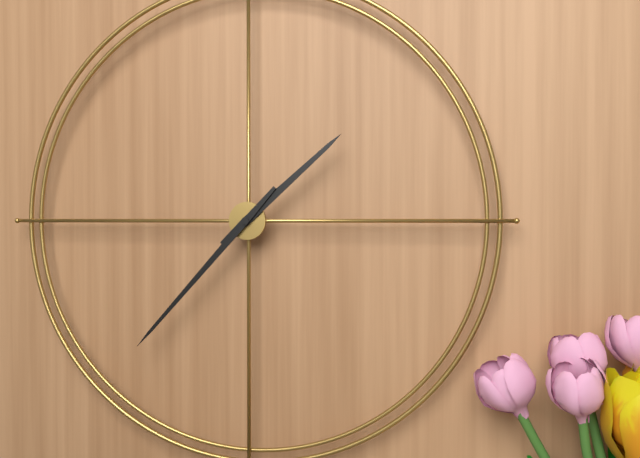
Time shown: h=1 m=37
